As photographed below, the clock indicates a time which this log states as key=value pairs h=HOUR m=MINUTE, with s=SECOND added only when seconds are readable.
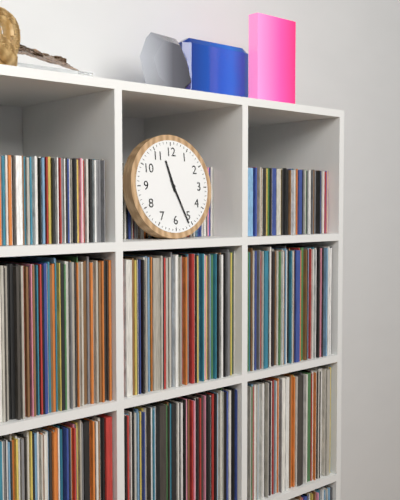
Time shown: h=11 m=26
